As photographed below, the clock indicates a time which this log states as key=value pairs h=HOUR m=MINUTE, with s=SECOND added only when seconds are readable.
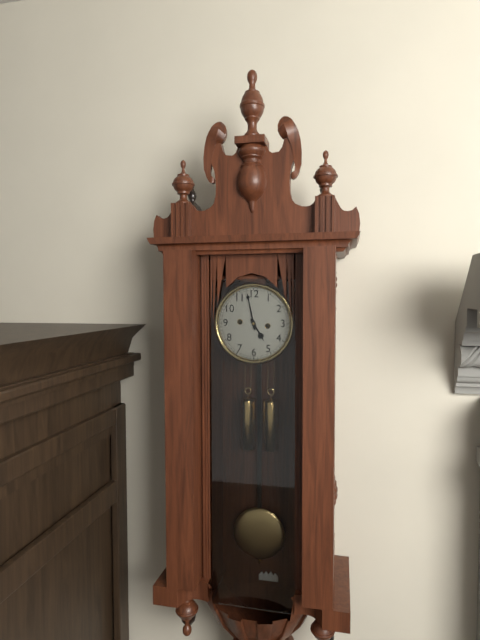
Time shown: h=4 m=58
